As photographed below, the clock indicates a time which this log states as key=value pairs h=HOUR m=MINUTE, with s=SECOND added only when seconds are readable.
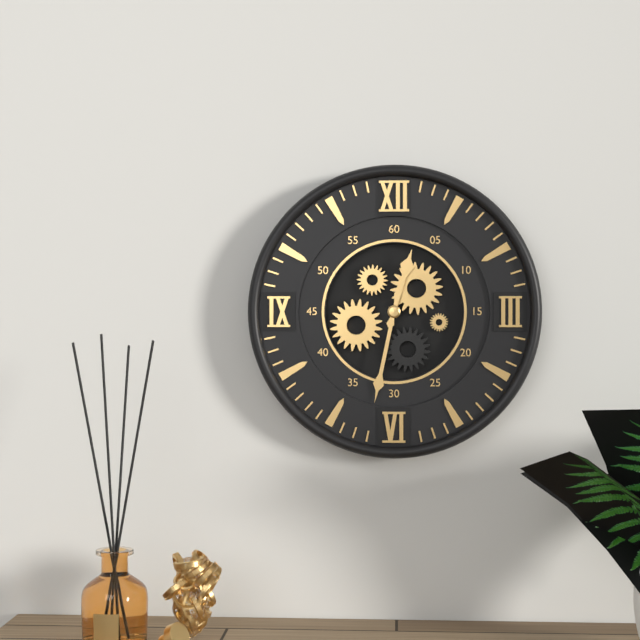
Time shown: h=12 m=32
